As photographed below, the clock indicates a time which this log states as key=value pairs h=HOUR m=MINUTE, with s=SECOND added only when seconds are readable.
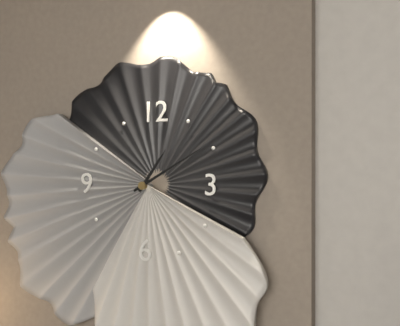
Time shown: h=1 m=10
